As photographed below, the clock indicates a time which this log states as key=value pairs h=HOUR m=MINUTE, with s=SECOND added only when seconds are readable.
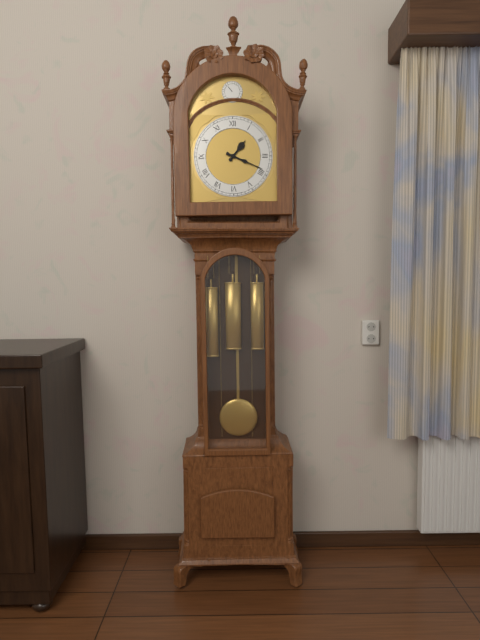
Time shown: h=1 m=19
